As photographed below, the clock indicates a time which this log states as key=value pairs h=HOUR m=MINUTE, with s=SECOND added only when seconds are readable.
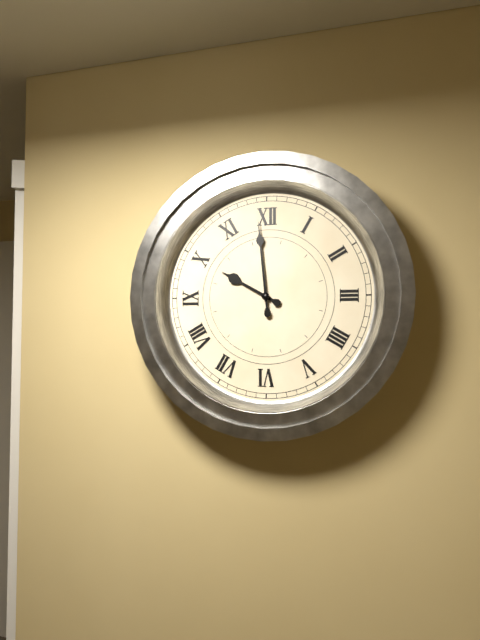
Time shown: h=9 m=59
